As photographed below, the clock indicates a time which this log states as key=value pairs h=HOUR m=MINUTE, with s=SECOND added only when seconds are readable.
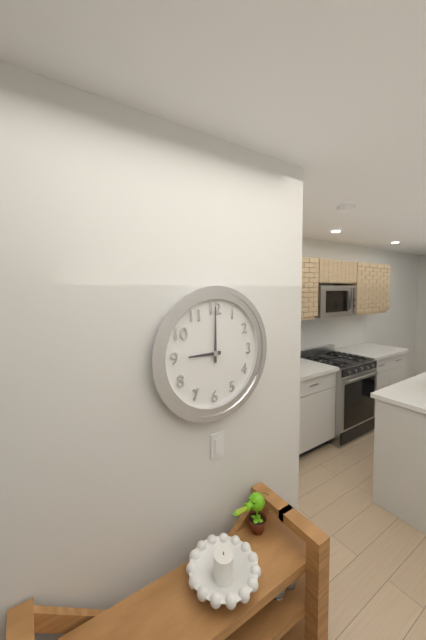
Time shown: h=9 m=0
